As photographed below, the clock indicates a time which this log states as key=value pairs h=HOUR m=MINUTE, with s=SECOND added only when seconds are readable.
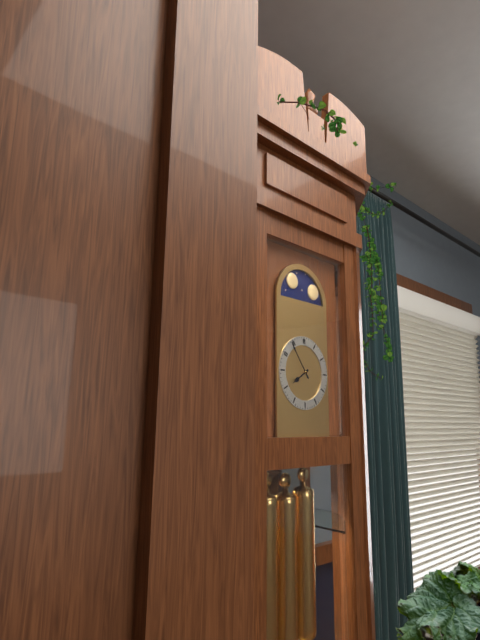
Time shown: h=7 m=54
